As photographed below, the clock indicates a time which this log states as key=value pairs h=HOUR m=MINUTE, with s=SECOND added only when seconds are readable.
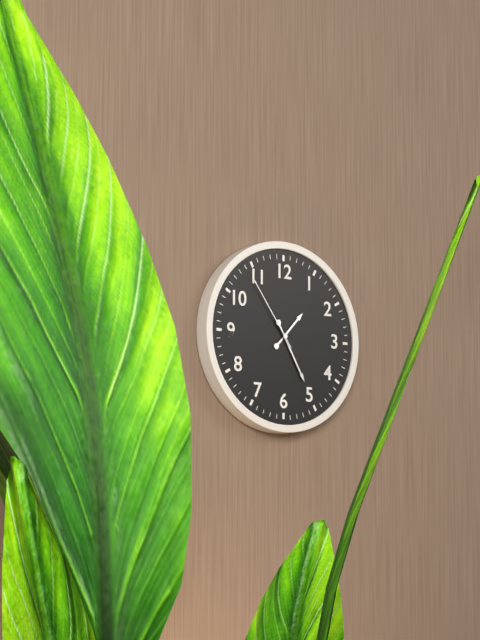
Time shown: h=1 m=25 s=54
